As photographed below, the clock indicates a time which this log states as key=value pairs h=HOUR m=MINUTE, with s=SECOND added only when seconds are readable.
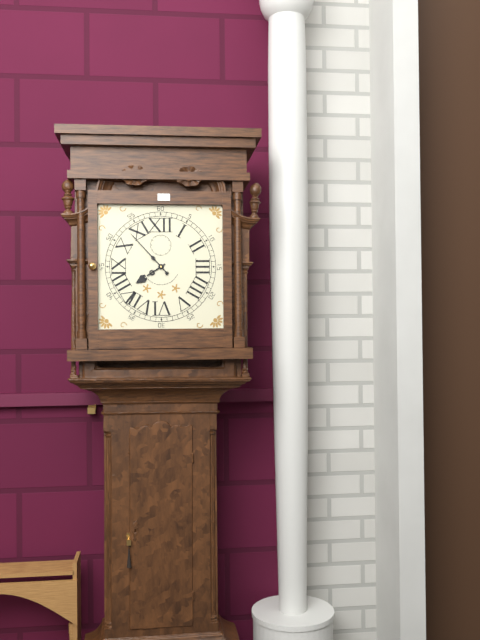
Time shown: h=7 m=53
